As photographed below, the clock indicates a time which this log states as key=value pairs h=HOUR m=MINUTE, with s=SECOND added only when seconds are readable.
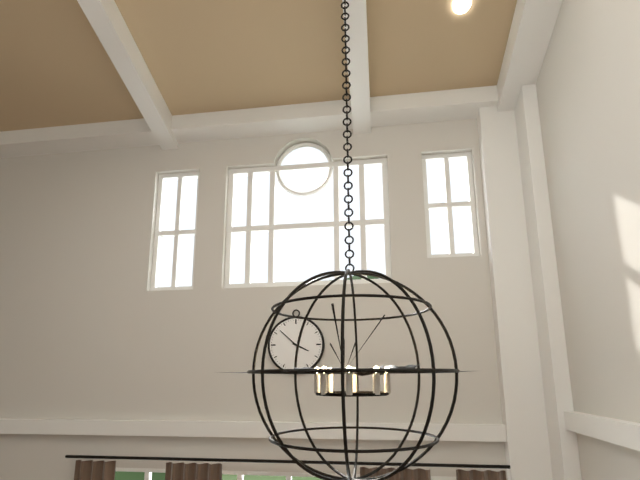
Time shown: h=3 m=52
